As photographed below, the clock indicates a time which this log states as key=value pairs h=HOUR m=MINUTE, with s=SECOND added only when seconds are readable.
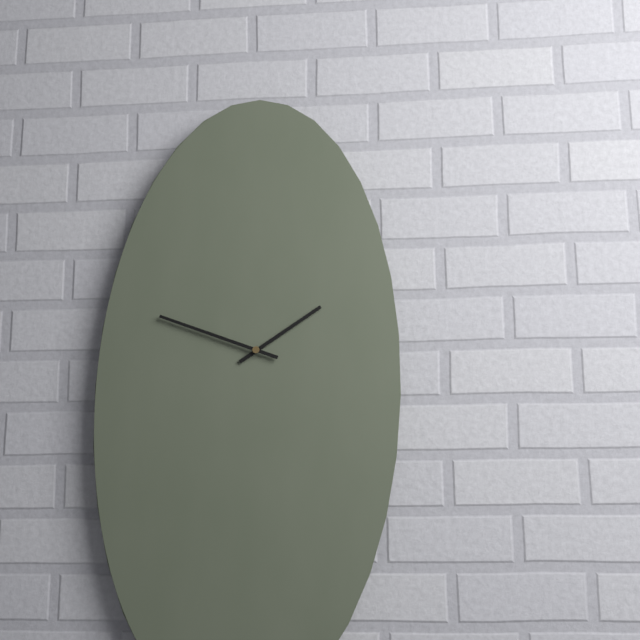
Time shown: h=1 m=48
